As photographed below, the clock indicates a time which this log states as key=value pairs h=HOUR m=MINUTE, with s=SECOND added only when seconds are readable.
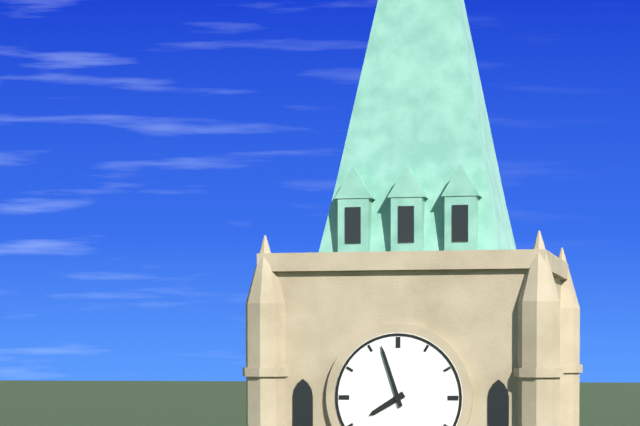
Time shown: h=7 m=57
